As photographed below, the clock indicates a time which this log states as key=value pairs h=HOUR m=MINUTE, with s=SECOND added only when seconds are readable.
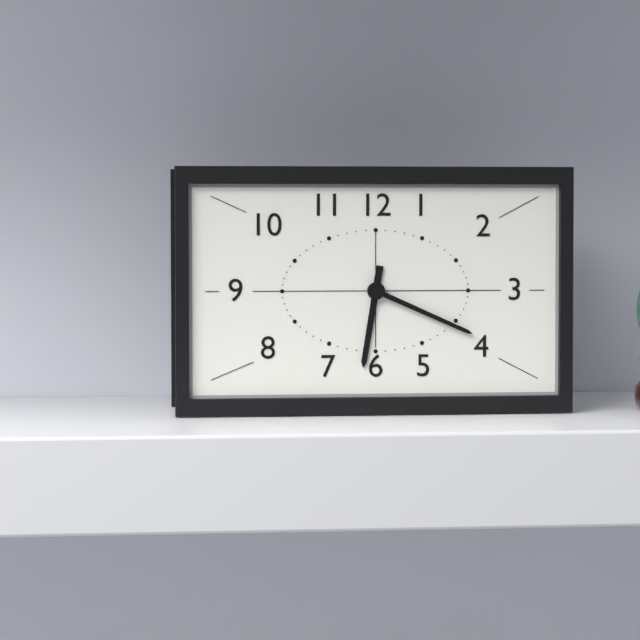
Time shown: h=6 m=19
